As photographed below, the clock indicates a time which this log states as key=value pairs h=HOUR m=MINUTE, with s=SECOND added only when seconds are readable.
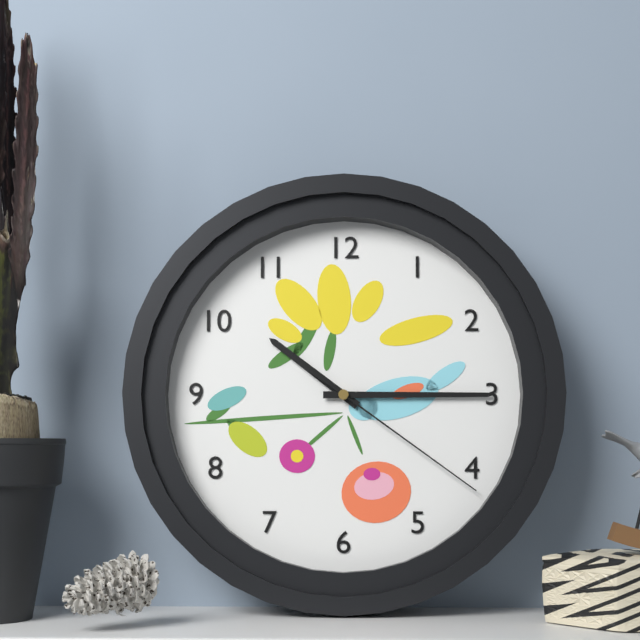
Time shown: h=10 m=15 s=21
